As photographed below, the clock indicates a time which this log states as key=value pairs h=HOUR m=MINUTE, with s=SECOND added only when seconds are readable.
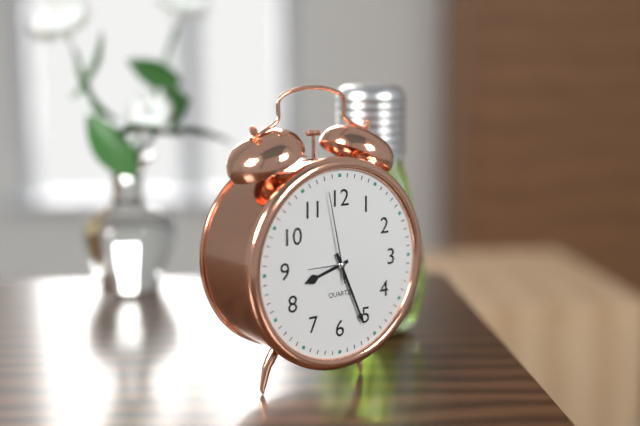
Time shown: h=8 m=26 s=58
